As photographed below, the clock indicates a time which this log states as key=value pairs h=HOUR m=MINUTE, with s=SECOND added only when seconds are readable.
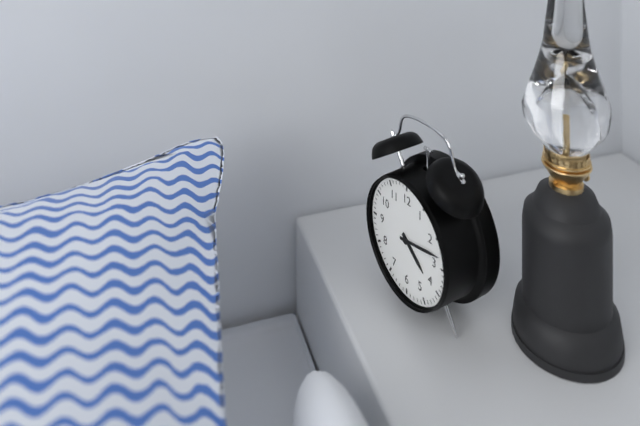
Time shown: h=4 m=13
